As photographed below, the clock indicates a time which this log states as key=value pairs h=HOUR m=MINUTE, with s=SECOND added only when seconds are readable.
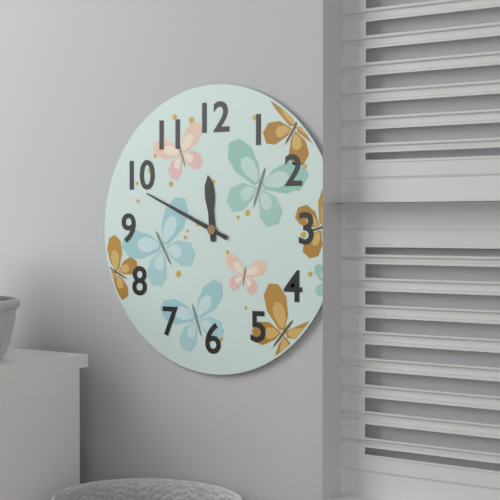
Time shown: h=11 m=49
